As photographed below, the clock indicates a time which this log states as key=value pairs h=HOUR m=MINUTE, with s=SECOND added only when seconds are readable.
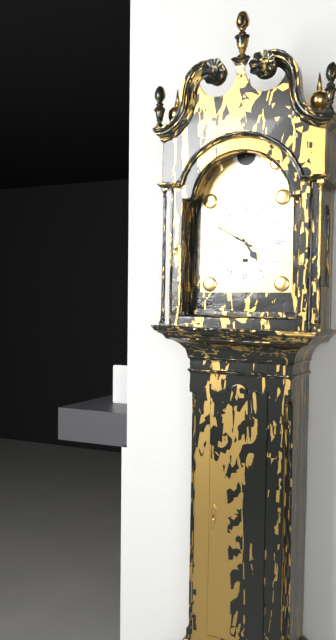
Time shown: h=4 m=50
